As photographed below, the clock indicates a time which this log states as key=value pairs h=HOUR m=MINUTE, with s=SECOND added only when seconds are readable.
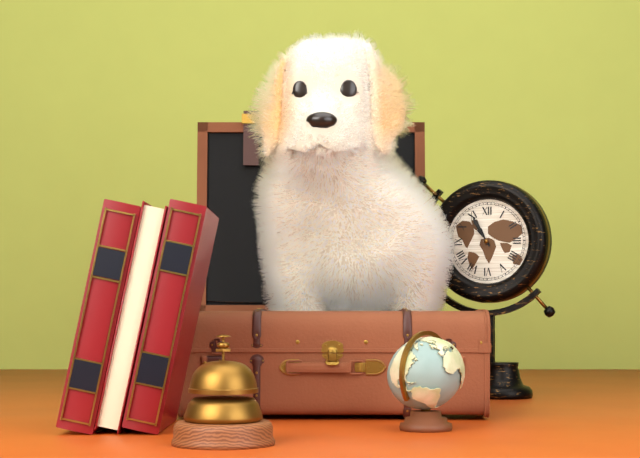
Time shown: h=10 m=55
